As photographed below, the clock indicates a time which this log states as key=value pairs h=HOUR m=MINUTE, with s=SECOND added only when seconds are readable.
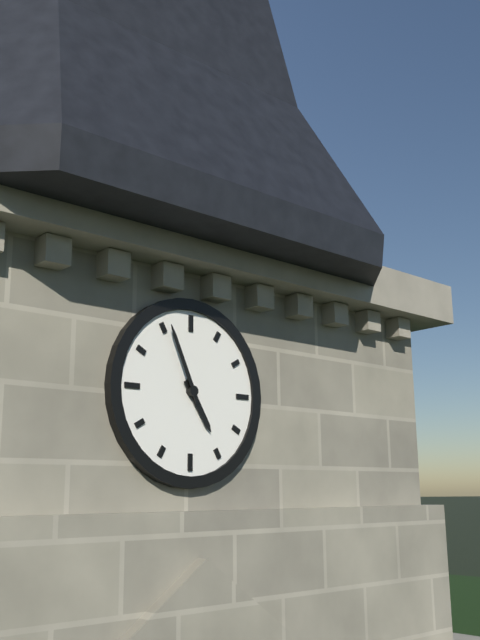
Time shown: h=4 m=56
